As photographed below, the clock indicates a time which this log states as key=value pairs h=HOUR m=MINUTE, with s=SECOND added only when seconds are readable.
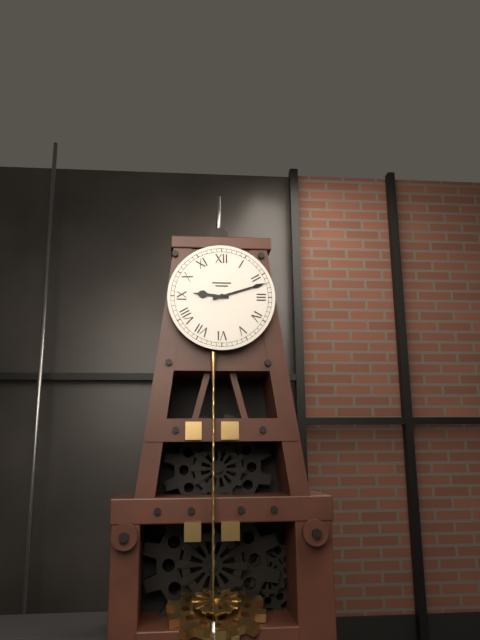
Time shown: h=9 m=12
